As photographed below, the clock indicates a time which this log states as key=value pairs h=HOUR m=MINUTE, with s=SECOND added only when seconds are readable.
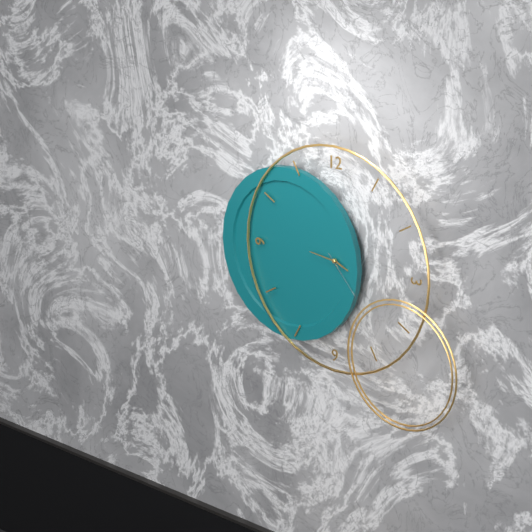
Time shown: h=3 m=46 s=23
